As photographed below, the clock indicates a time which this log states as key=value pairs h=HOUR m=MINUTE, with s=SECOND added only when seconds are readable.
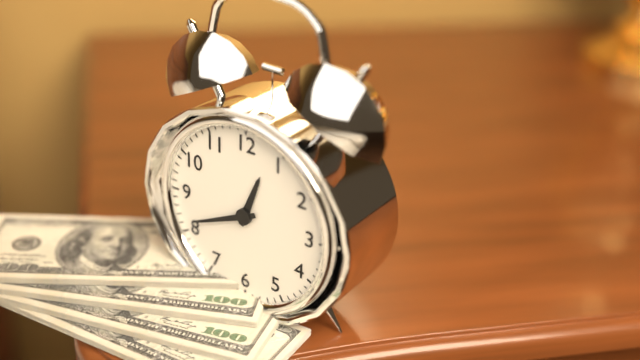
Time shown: h=12 m=41
